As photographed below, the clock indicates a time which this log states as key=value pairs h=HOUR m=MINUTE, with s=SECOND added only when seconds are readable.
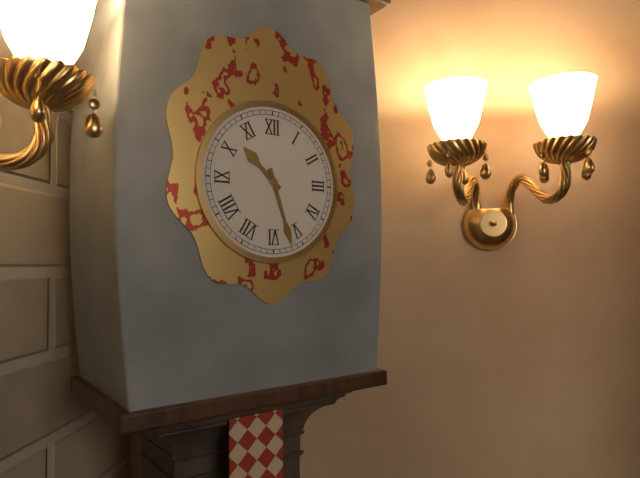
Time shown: h=10 m=27
